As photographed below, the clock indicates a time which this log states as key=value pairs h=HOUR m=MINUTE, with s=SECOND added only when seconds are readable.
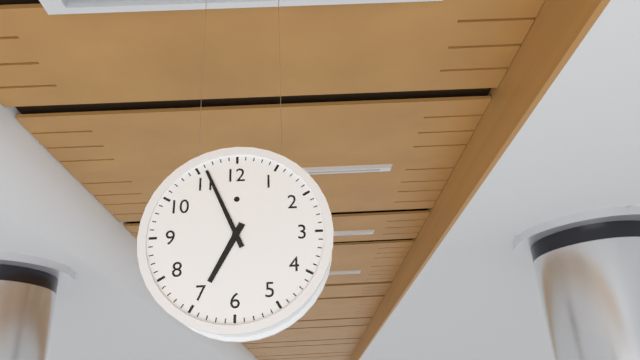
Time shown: h=6 m=56
